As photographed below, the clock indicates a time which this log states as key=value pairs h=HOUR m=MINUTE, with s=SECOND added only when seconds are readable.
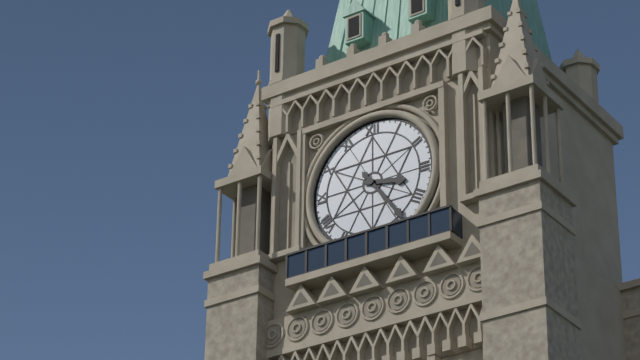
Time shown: h=3 m=24
